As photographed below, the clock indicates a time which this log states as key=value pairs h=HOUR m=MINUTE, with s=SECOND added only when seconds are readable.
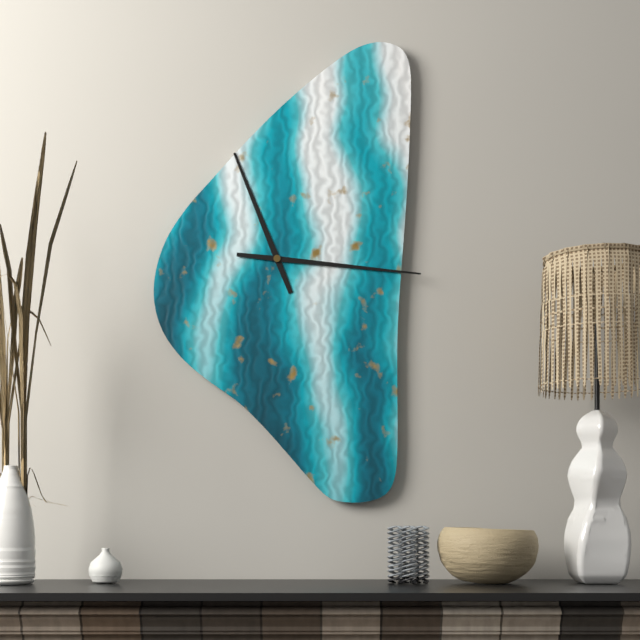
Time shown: h=11 m=16
